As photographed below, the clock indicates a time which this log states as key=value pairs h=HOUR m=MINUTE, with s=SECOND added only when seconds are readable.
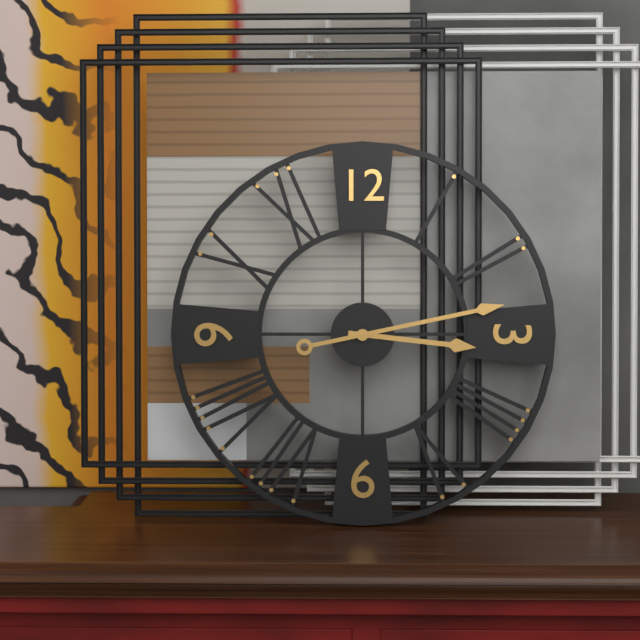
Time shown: h=3 m=13
